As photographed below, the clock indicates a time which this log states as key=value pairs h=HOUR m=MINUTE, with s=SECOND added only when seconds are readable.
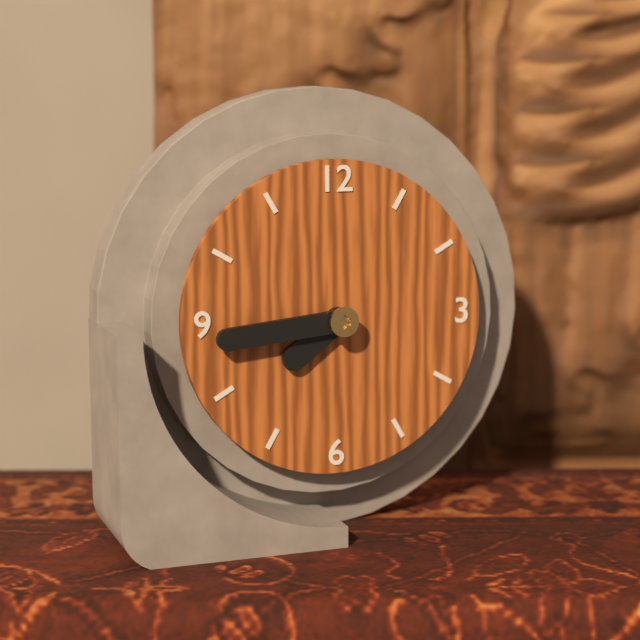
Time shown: h=7 m=44
